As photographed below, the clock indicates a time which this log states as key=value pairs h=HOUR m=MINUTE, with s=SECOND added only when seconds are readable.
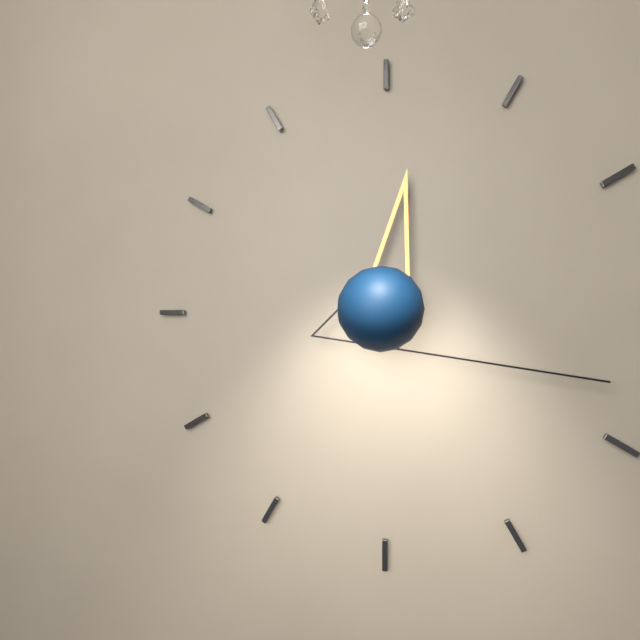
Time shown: h=12 m=18
